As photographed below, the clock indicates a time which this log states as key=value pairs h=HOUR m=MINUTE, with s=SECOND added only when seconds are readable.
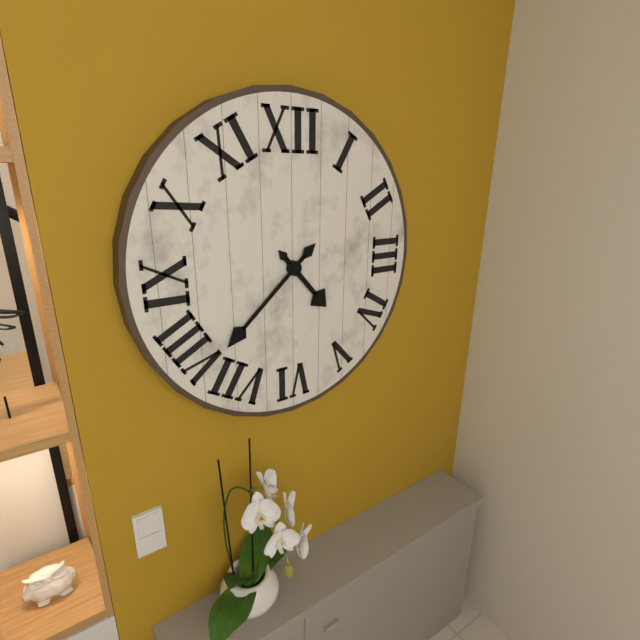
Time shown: h=4 m=38
